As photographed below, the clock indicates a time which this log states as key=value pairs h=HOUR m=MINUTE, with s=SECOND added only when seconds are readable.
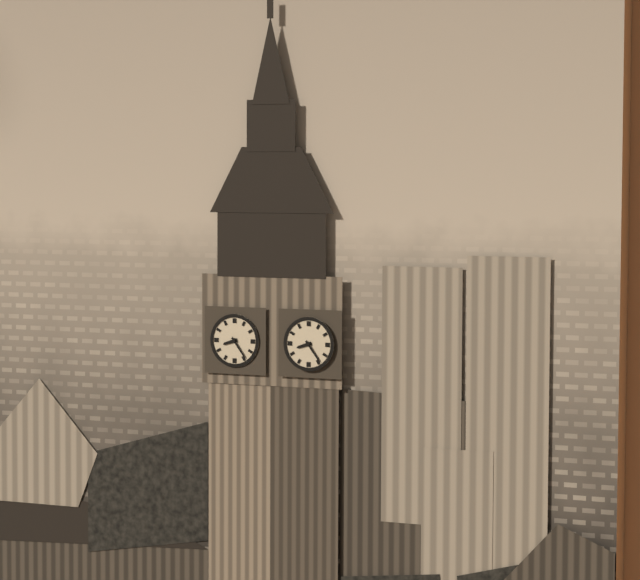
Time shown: h=8 m=24
